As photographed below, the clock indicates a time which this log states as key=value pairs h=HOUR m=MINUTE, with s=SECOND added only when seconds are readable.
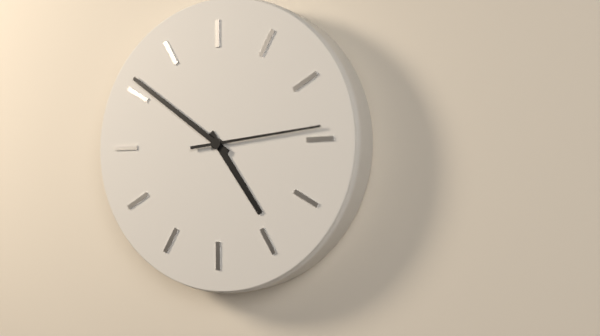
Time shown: h=4 m=51 s=14
